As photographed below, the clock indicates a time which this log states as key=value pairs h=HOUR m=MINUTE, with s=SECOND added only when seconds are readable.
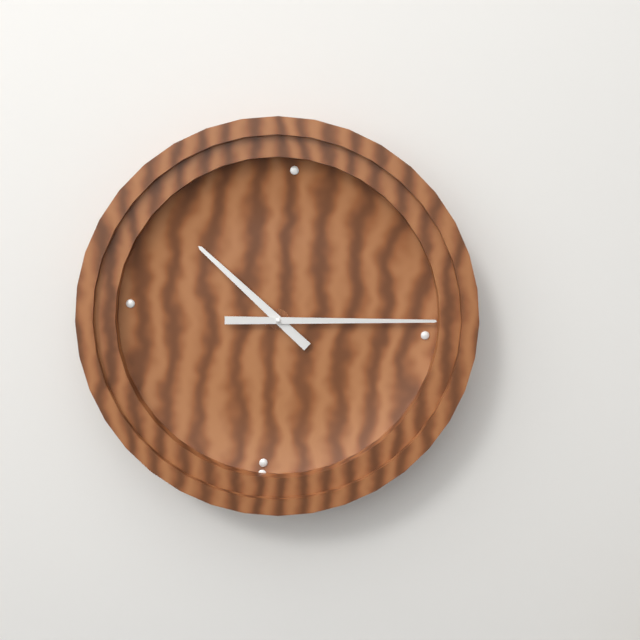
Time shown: h=10 m=14
